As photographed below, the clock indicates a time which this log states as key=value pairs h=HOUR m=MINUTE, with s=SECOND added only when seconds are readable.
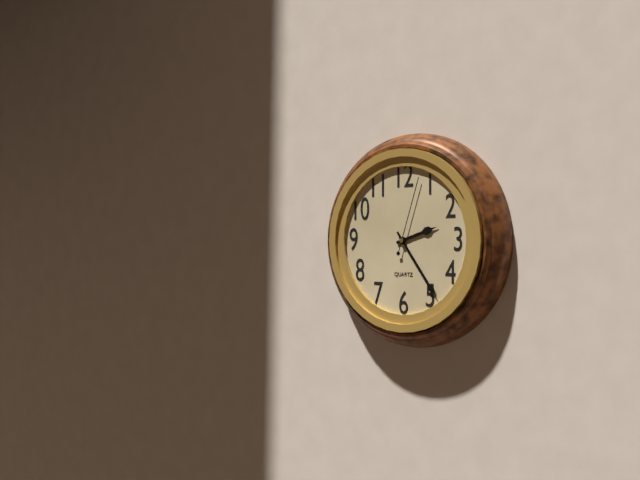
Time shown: h=2 m=24 s=3
